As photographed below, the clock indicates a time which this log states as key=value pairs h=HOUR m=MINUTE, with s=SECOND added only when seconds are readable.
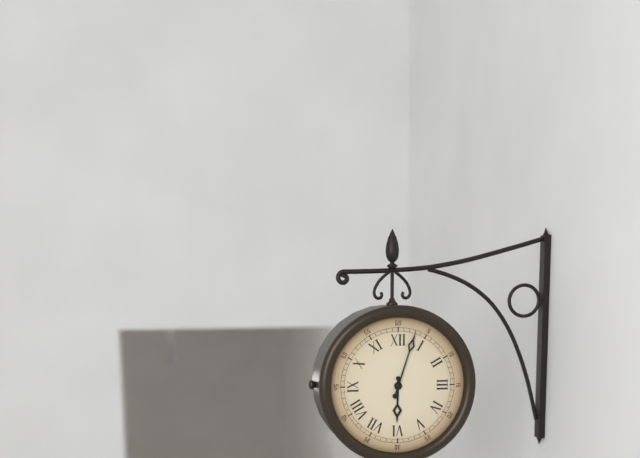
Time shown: h=6 m=3
